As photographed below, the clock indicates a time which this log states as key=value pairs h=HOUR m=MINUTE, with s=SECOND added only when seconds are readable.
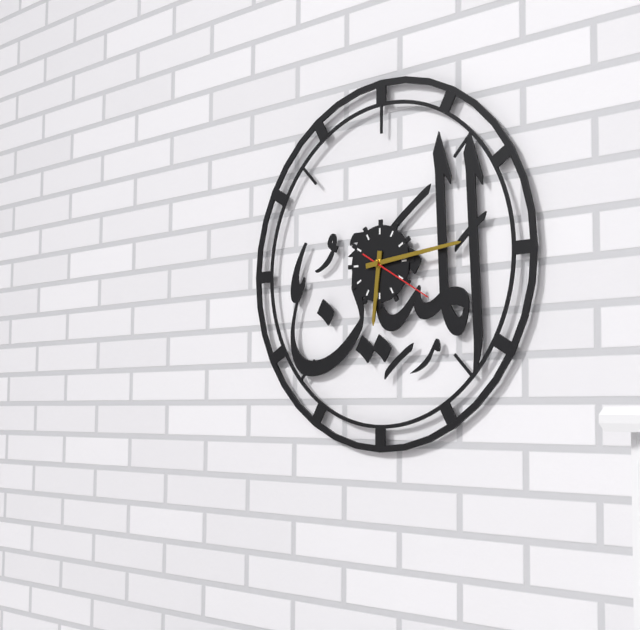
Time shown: h=6 m=14 s=20
